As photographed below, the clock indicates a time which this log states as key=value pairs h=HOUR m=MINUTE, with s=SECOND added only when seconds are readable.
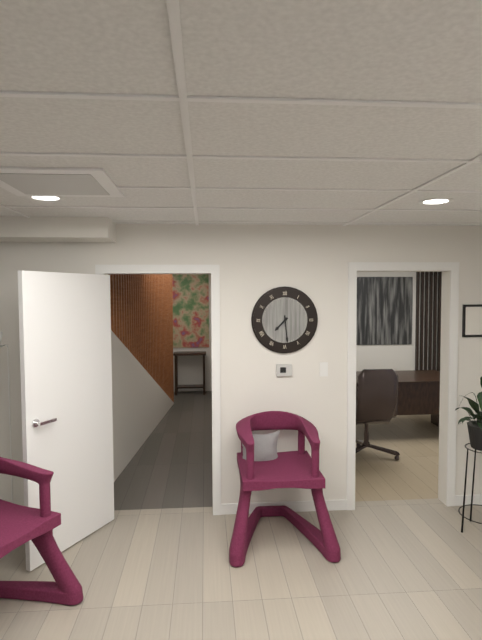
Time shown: h=7 m=29
